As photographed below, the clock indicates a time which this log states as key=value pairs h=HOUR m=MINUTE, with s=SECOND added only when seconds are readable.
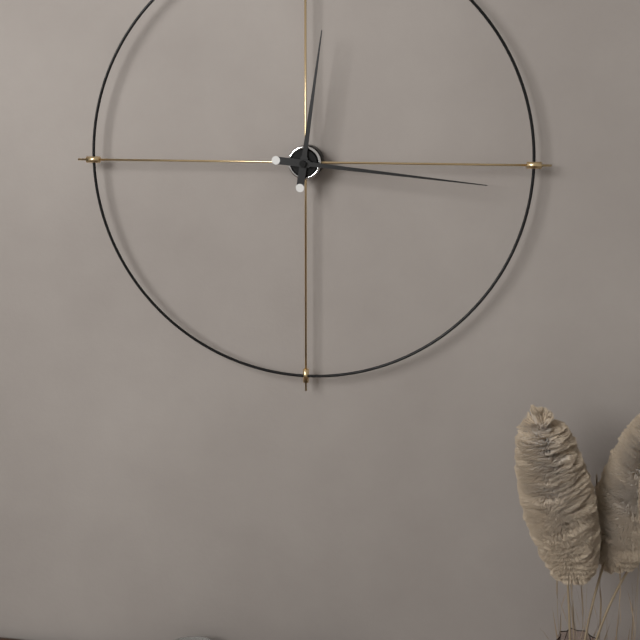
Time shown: h=12 m=16
